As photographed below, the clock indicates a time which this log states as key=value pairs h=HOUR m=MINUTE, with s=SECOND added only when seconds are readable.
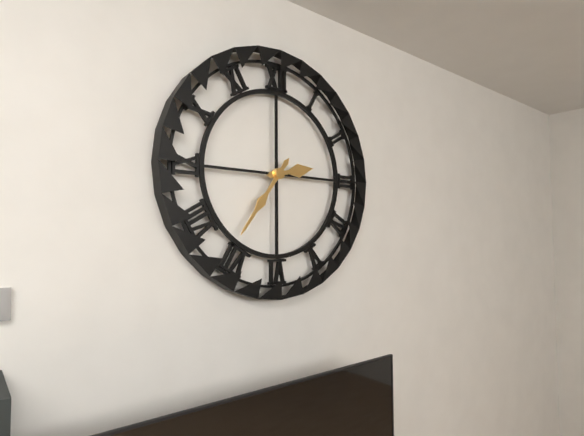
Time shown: h=2 m=36
